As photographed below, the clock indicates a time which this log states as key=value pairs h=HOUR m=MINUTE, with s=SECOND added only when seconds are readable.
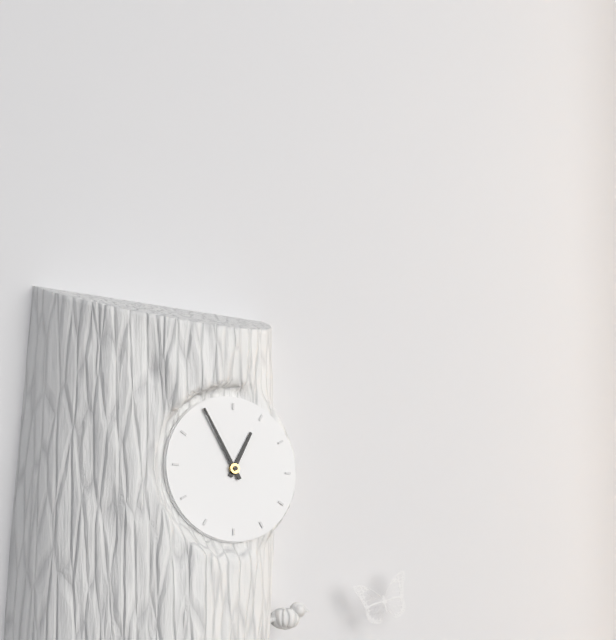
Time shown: h=12 m=55
